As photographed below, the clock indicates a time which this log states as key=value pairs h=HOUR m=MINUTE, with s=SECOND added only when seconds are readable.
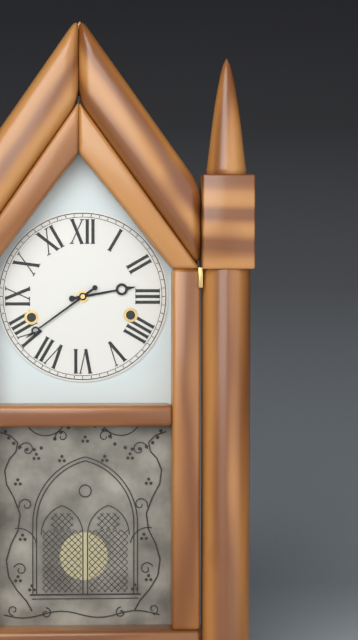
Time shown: h=2 m=39
